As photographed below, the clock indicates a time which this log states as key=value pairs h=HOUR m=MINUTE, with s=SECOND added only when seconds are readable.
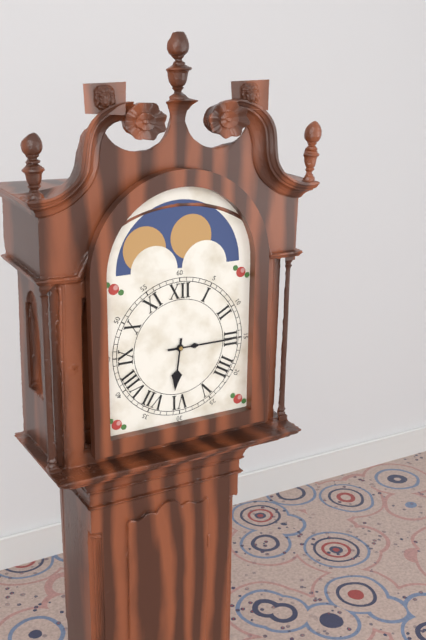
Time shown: h=6 m=15
